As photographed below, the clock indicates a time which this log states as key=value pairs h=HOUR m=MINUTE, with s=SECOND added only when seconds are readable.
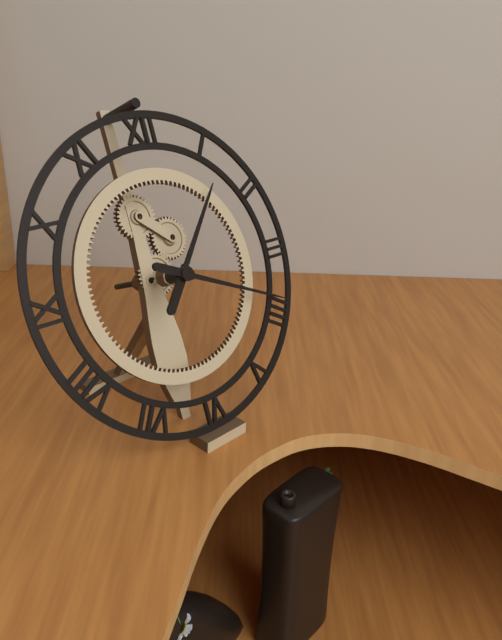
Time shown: h=1 m=19
